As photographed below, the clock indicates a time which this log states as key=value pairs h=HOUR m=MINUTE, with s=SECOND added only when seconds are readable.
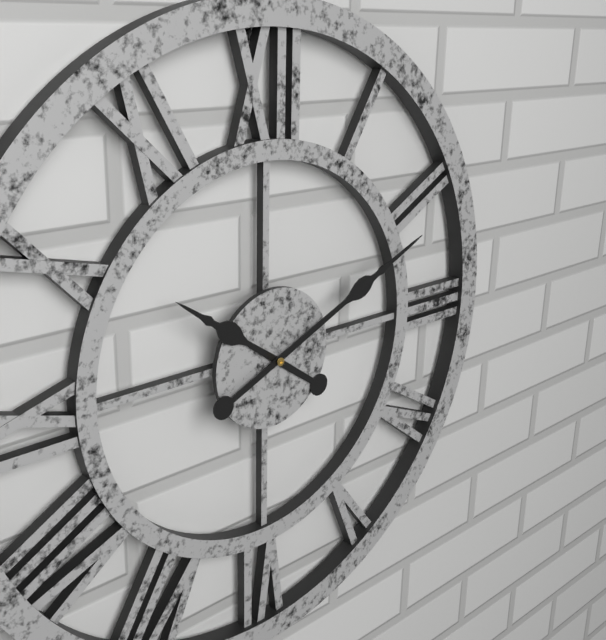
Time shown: h=10 m=11
